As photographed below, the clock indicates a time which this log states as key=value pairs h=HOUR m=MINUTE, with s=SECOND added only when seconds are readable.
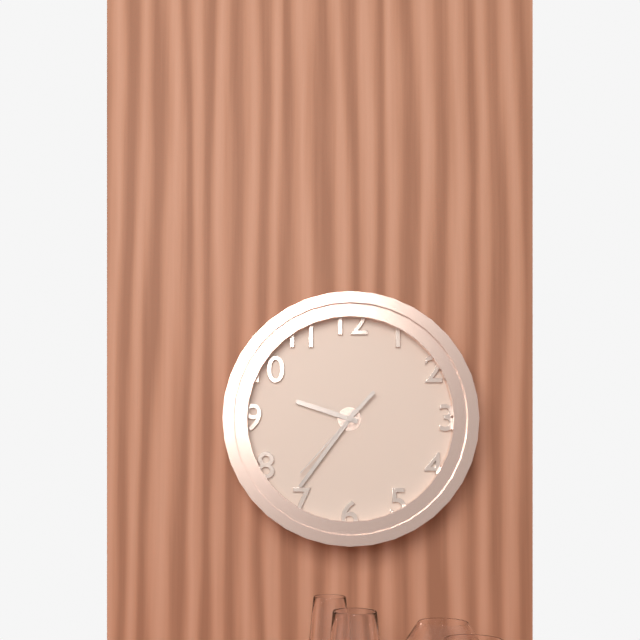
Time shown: h=9 m=36 s=37
